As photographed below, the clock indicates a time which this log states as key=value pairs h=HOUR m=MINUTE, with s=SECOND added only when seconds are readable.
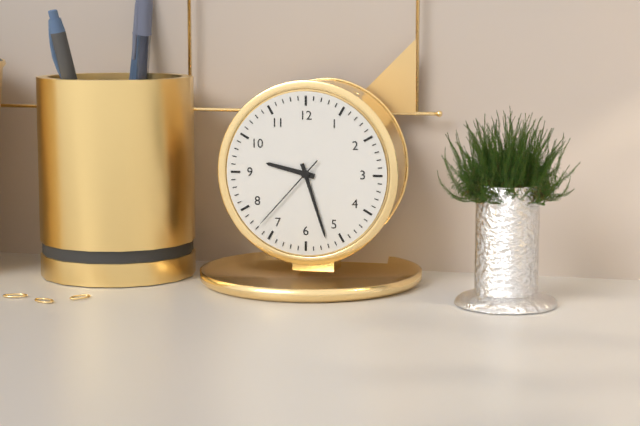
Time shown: h=9 m=27 s=37
